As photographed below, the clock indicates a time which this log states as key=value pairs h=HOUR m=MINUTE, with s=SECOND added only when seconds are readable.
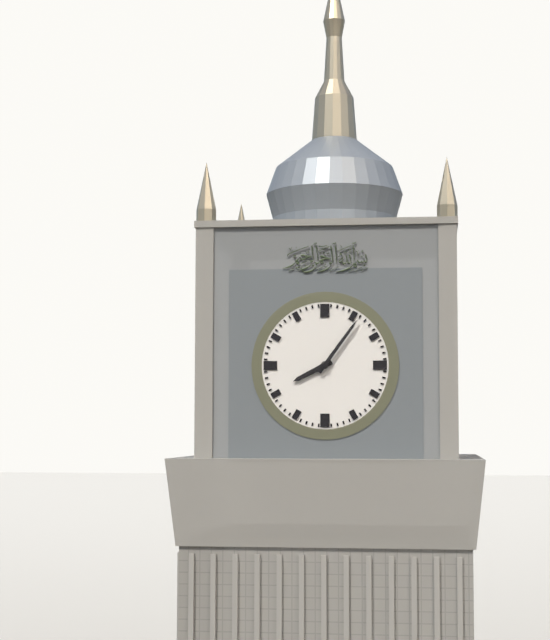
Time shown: h=8 m=6
